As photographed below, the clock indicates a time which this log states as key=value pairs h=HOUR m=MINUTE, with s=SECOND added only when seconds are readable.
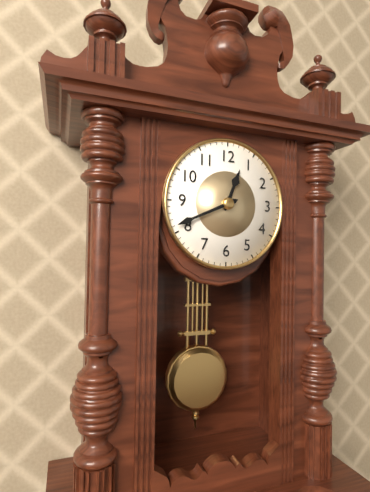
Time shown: h=12 m=41
